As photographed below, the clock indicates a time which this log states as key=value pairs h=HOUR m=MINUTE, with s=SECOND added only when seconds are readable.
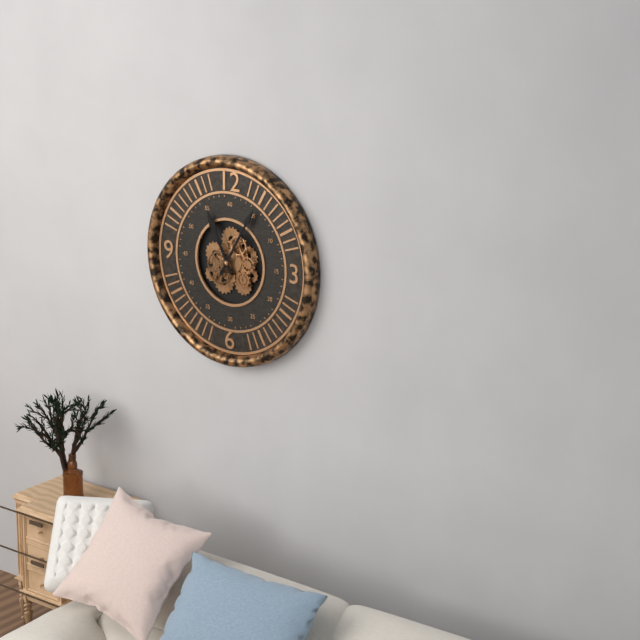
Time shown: h=11 m=5
